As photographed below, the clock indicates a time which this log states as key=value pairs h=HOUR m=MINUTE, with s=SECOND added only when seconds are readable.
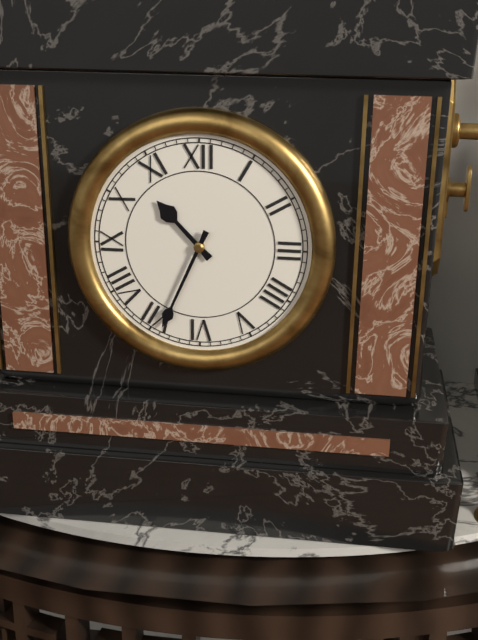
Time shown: h=10 m=34
